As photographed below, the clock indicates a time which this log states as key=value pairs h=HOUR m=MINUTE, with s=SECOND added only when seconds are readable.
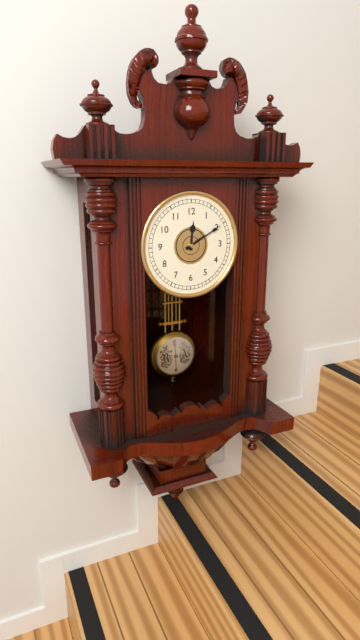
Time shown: h=12 m=10
